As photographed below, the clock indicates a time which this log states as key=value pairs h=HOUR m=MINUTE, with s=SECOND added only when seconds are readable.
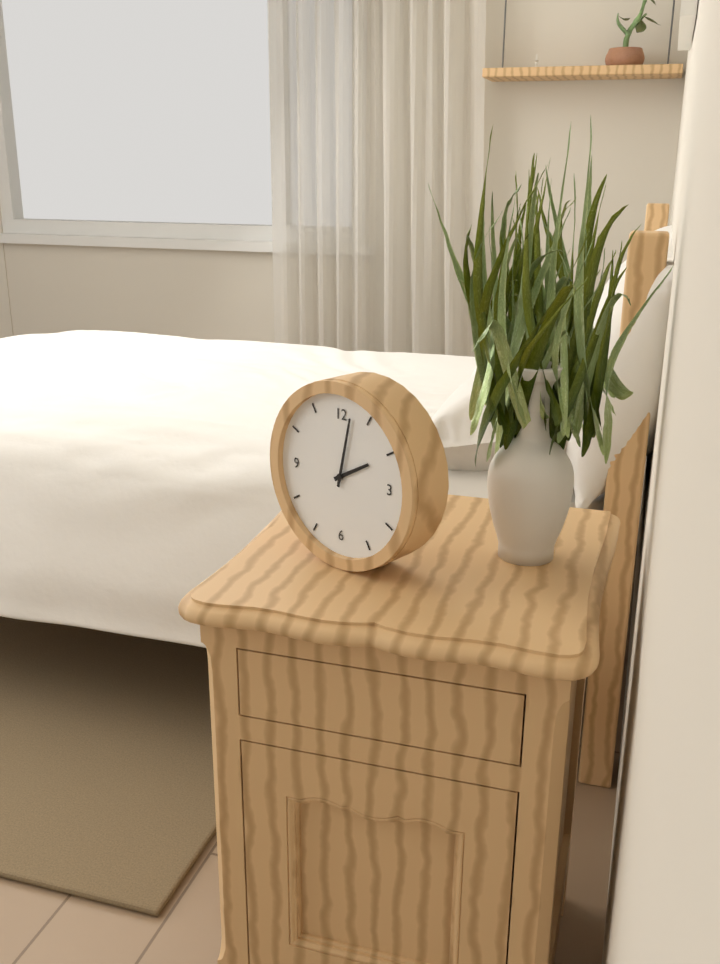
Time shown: h=2 m=2
